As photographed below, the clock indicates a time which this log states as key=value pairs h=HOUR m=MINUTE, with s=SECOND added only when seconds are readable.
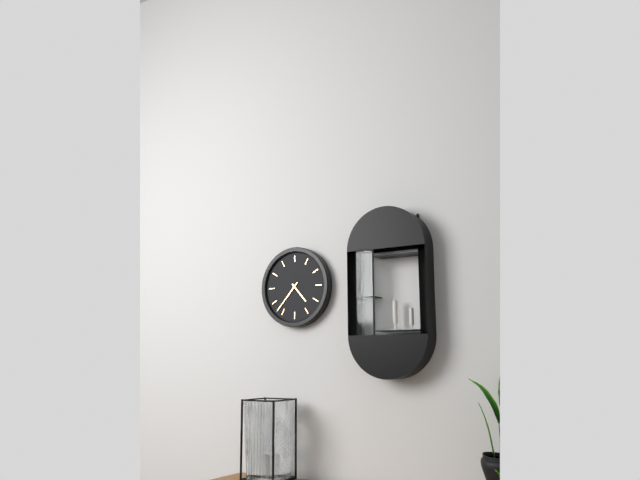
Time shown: h=4 m=37
